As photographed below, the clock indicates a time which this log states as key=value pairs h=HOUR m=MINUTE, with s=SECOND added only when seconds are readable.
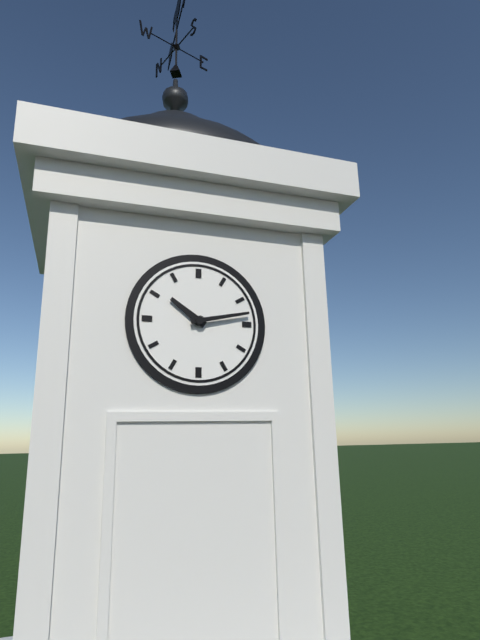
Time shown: h=10 m=13
